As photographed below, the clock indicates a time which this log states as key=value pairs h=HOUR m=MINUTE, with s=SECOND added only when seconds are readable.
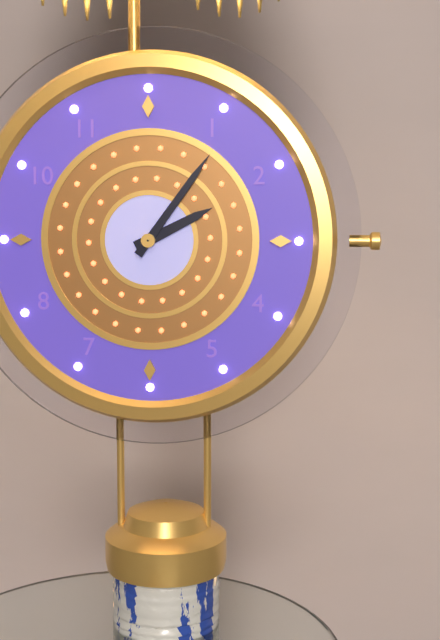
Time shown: h=2 m=6
